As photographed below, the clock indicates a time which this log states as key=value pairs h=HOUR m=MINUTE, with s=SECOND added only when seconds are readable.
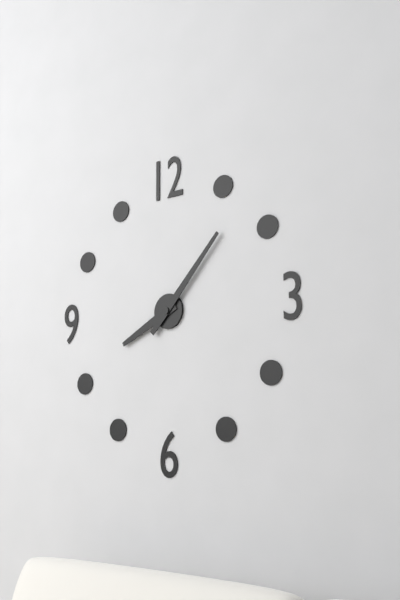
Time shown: h=8 m=7
